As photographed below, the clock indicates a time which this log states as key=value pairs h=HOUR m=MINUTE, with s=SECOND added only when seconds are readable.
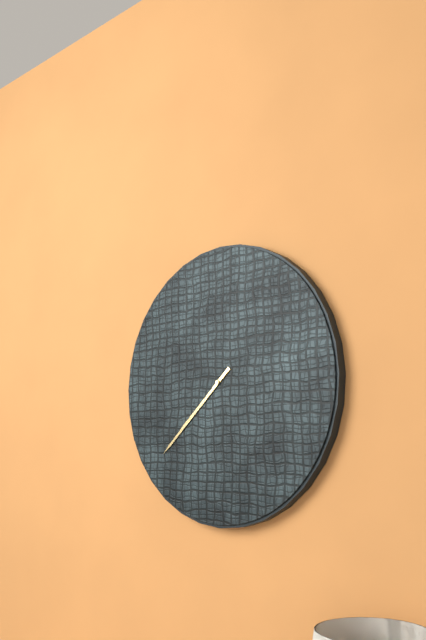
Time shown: h=7 m=38
